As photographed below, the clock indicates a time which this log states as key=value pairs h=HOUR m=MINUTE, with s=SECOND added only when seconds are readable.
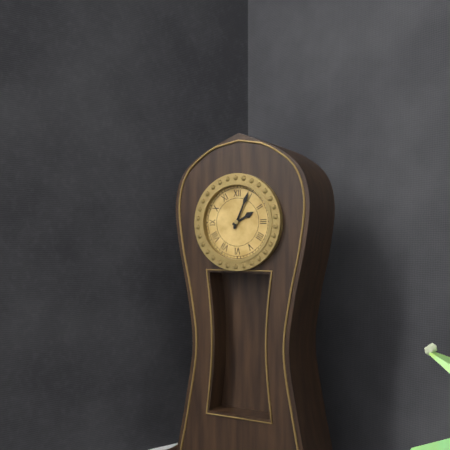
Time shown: h=2 m=4
